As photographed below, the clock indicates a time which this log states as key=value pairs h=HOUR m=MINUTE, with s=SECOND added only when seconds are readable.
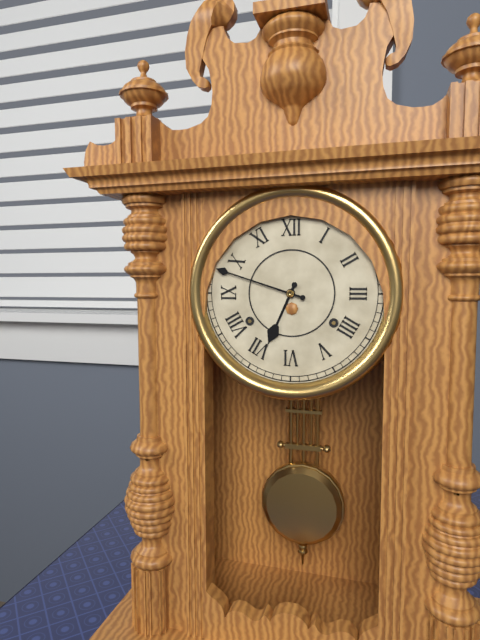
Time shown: h=6 m=48
